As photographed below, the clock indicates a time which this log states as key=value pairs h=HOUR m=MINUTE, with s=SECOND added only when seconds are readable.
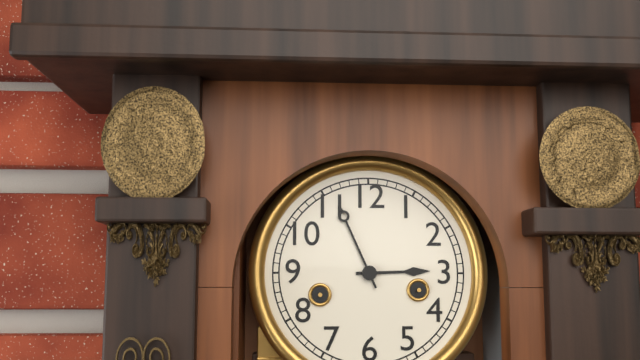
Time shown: h=2 m=56
